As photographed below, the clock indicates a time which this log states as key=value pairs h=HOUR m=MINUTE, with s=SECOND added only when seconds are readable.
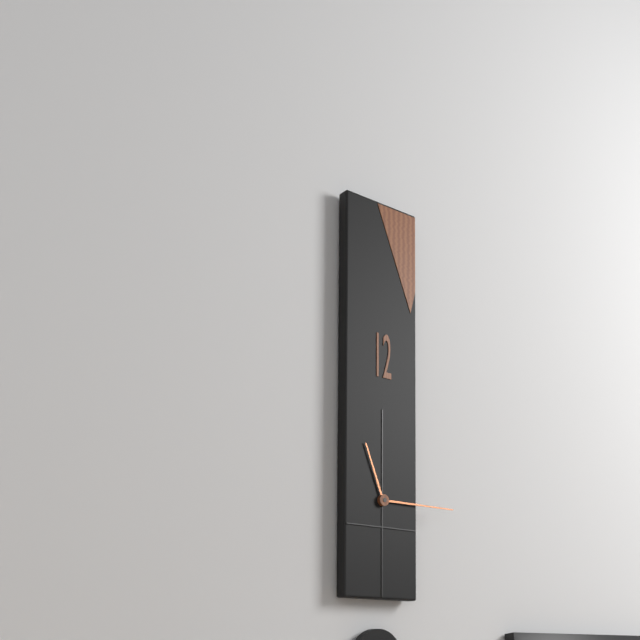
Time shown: h=11 m=15
